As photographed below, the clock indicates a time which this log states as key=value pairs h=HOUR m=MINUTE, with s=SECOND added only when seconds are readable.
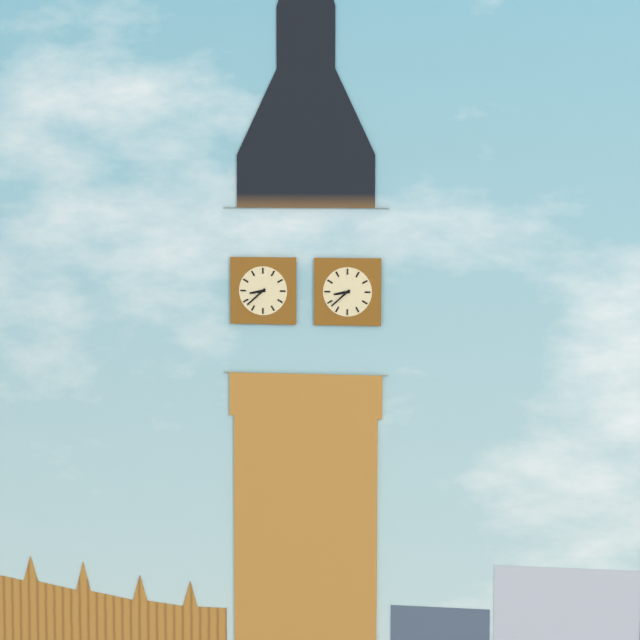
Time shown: h=8 m=38
